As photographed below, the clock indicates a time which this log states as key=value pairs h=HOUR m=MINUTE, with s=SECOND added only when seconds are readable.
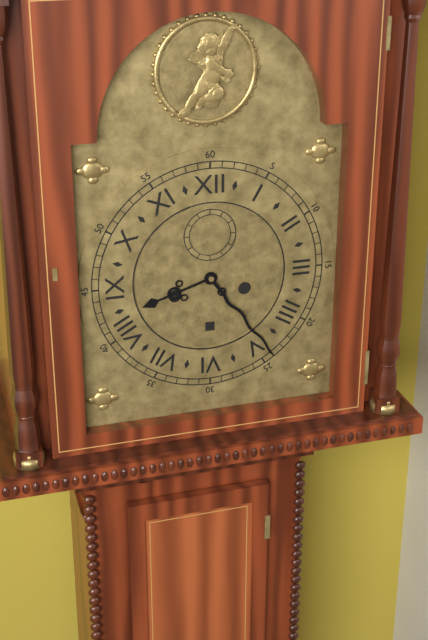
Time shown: h=8 m=24
